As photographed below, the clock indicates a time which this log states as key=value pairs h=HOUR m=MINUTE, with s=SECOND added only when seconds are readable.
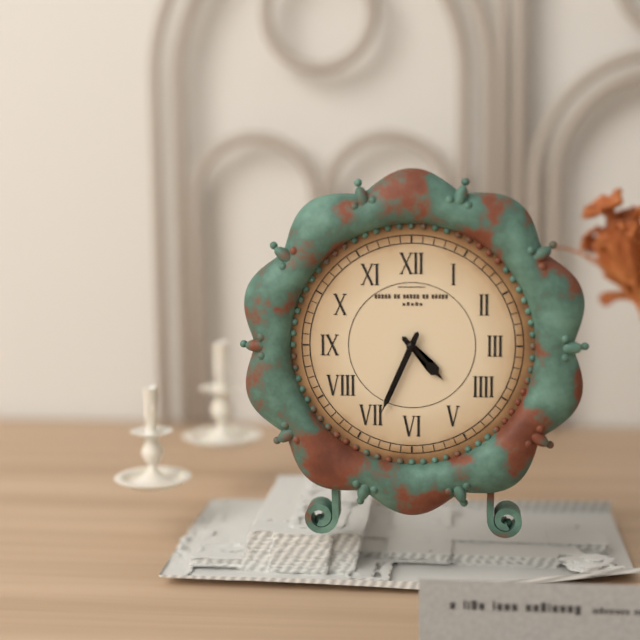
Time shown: h=4 m=34
